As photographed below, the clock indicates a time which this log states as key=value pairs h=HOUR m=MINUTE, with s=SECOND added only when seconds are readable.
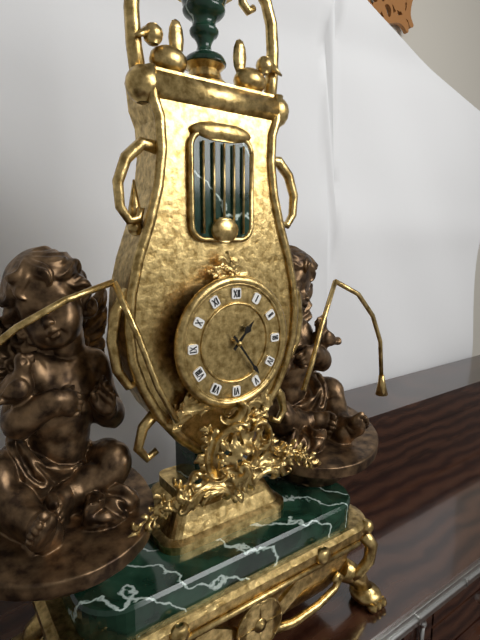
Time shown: h=1 m=24
